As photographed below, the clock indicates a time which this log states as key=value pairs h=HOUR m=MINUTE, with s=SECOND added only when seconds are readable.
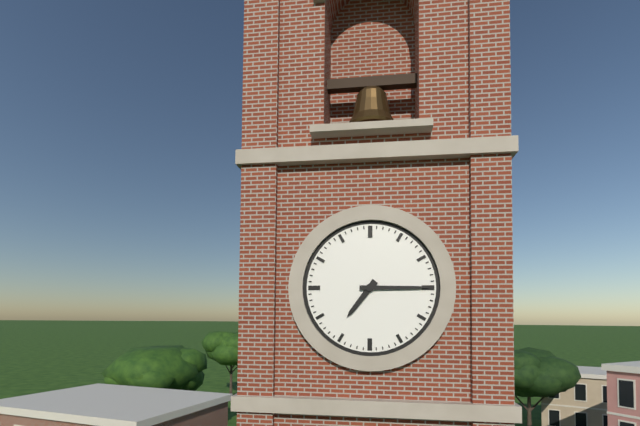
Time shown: h=7 m=15
